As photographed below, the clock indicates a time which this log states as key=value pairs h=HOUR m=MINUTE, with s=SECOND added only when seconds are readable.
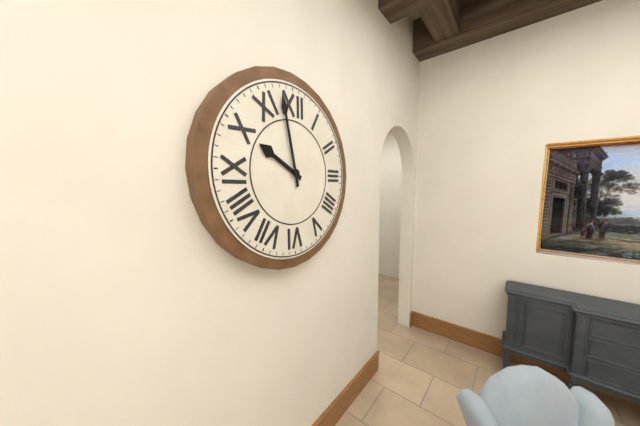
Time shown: h=9 m=58
